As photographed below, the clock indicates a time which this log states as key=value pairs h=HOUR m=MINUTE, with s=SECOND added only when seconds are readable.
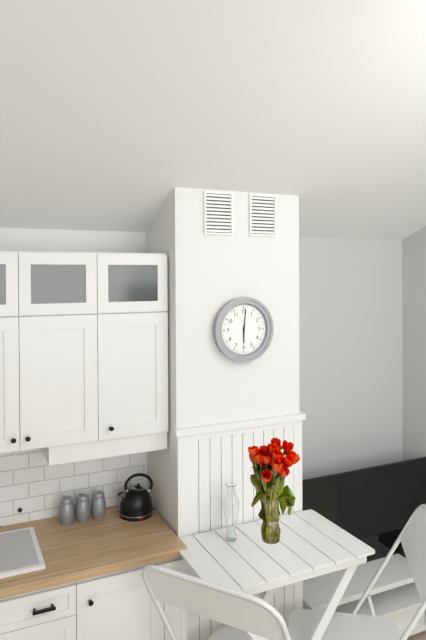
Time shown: h=6 m=1
